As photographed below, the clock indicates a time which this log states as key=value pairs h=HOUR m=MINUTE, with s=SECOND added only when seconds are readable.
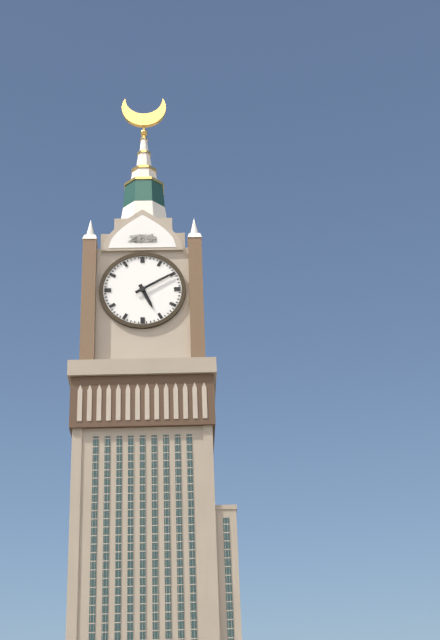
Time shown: h=5 m=10
